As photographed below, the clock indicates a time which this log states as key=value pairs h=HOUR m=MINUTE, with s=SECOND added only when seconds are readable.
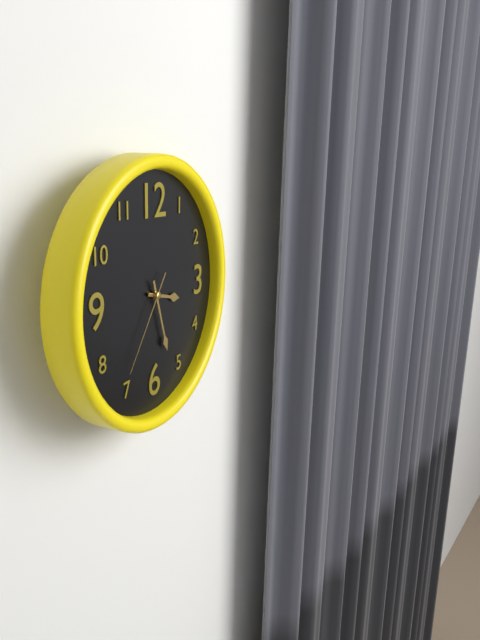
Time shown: h=3 m=27 s=36
